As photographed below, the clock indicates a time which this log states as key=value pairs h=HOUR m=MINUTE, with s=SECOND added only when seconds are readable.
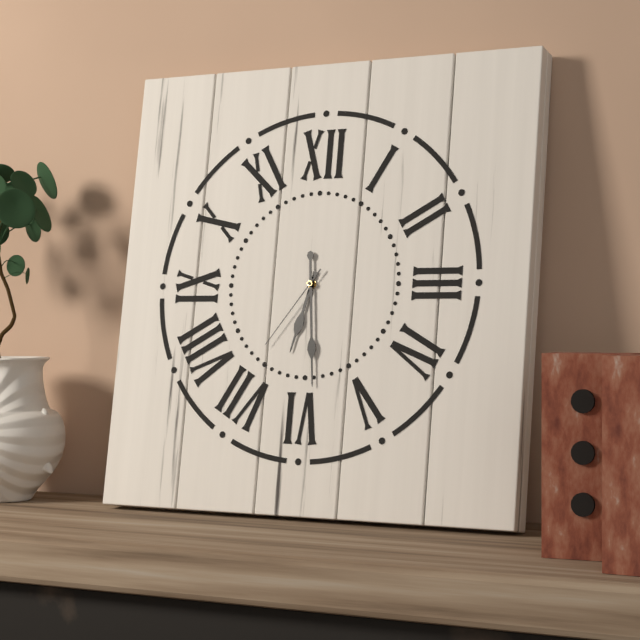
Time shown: h=6 m=29 s=36
